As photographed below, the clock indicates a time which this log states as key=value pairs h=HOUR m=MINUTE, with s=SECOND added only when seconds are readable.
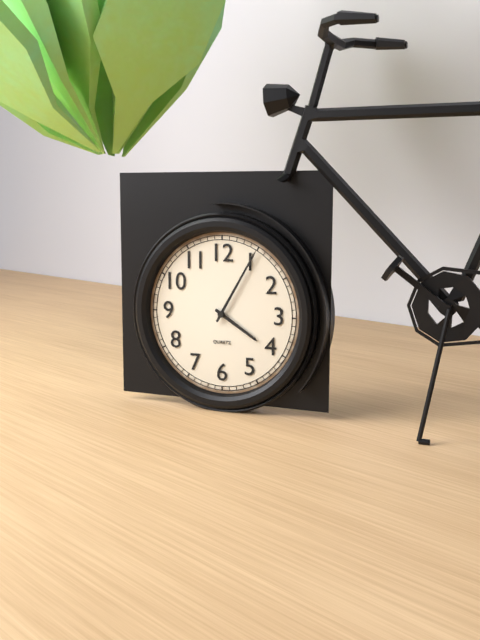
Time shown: h=4 m=5
